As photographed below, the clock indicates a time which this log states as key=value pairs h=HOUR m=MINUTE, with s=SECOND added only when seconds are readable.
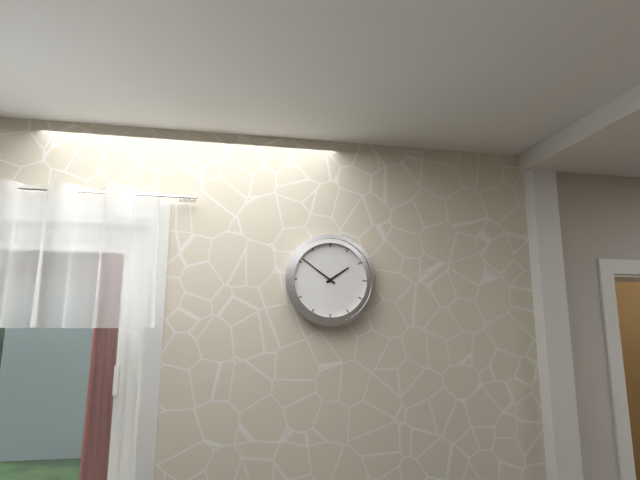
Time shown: h=1 m=51
